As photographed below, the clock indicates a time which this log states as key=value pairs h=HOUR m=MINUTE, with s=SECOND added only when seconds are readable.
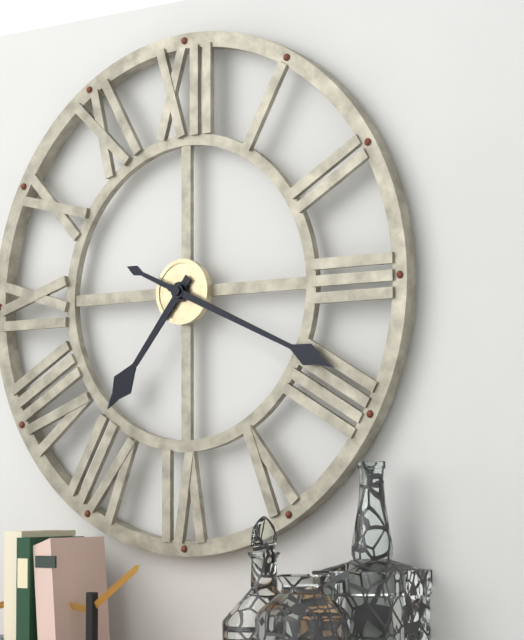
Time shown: h=7 m=19
